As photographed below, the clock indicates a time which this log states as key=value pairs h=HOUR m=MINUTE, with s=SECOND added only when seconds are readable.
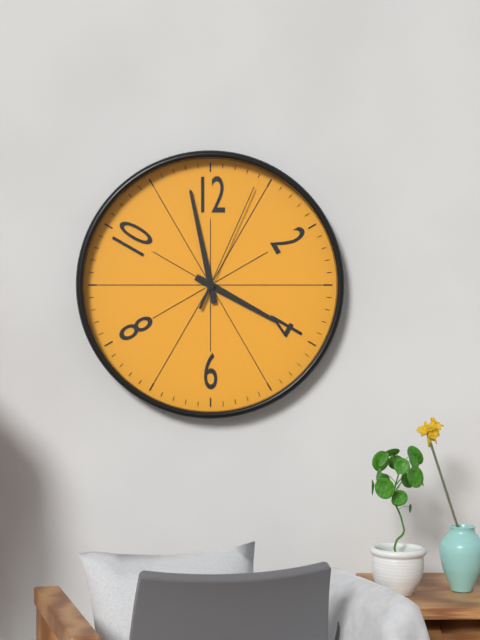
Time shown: h=3 m=58 s=4
